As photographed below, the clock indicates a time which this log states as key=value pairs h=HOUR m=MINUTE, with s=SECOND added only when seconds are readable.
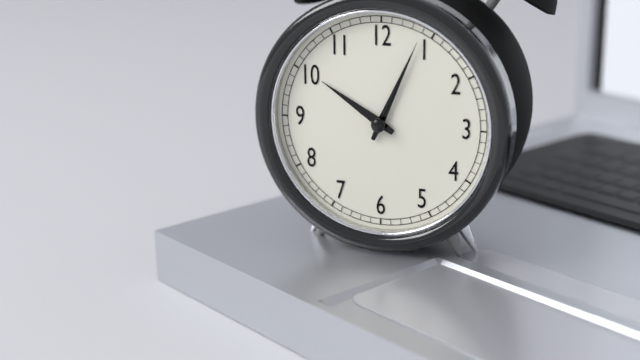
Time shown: h=10 m=4 s=4
